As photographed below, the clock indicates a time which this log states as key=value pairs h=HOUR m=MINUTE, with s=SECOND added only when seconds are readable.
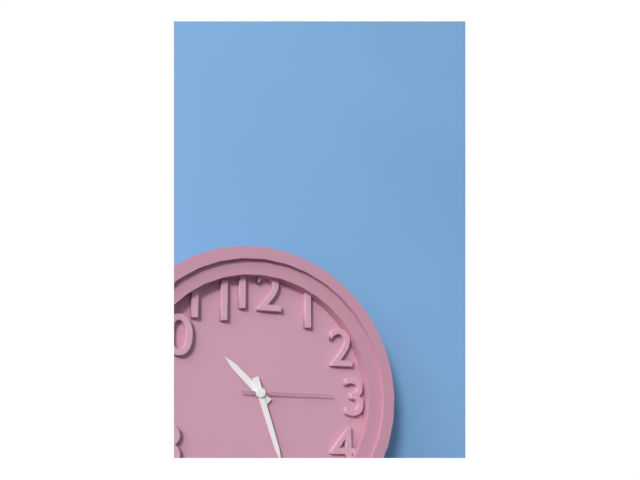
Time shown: h=10 m=27 s=15
